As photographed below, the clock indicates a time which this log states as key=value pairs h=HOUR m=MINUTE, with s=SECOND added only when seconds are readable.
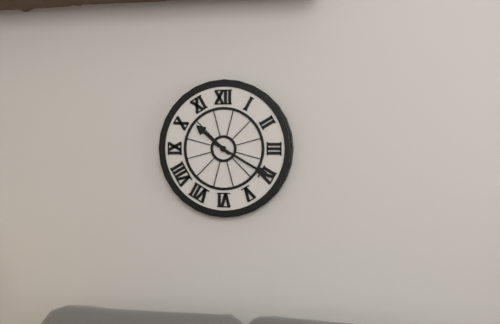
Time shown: h=10 m=20
